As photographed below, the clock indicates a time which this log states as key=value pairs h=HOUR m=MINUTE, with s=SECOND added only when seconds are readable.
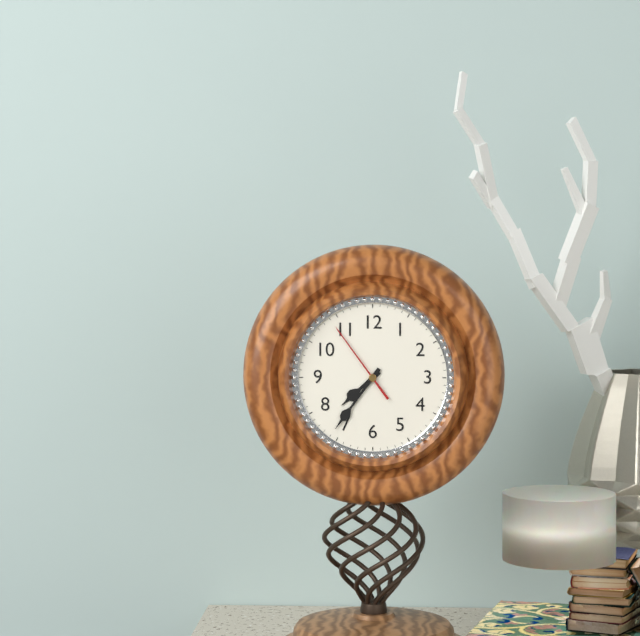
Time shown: h=7 m=36 s=54
